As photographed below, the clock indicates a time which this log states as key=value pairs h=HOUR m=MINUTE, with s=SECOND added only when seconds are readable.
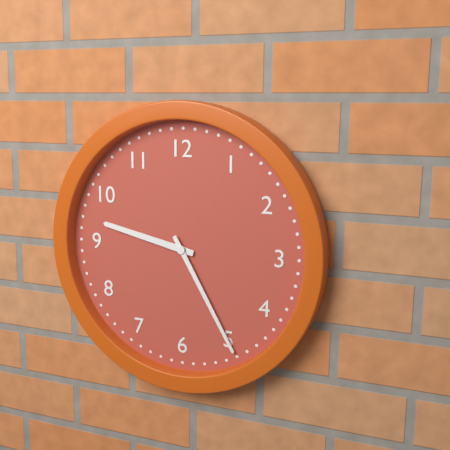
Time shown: h=9 m=25
